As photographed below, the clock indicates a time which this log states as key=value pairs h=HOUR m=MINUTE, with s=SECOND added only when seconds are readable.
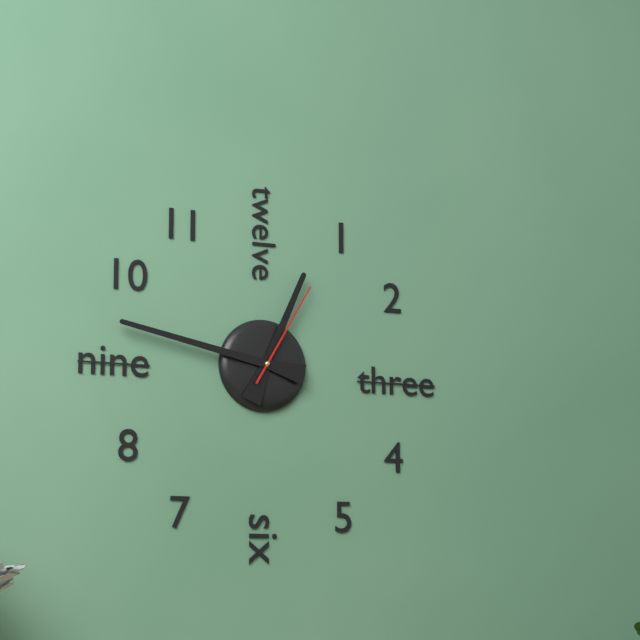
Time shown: h=12 m=47 s=5
